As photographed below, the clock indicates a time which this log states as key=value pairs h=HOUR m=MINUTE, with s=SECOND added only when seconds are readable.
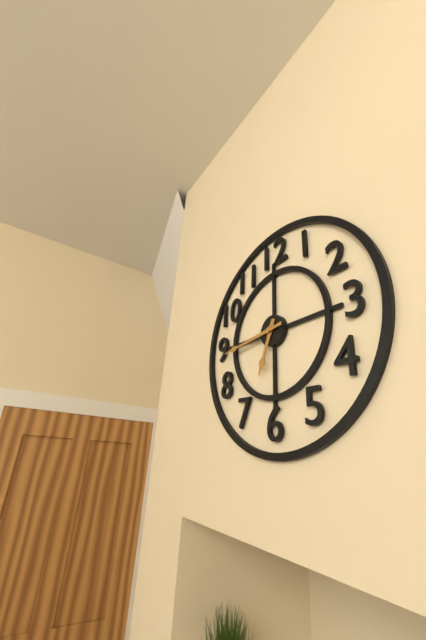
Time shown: h=6 m=44
